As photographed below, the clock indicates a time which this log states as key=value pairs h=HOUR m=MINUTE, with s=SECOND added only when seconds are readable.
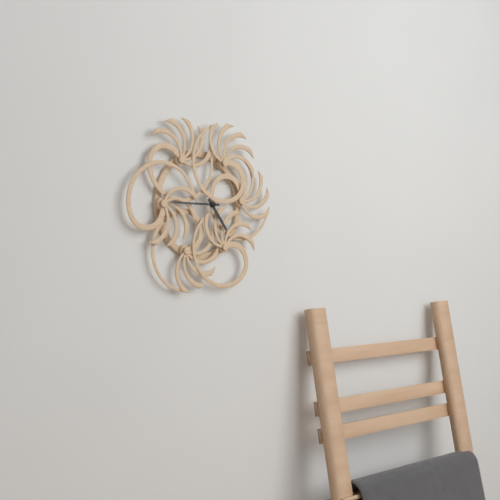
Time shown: h=4 m=45
